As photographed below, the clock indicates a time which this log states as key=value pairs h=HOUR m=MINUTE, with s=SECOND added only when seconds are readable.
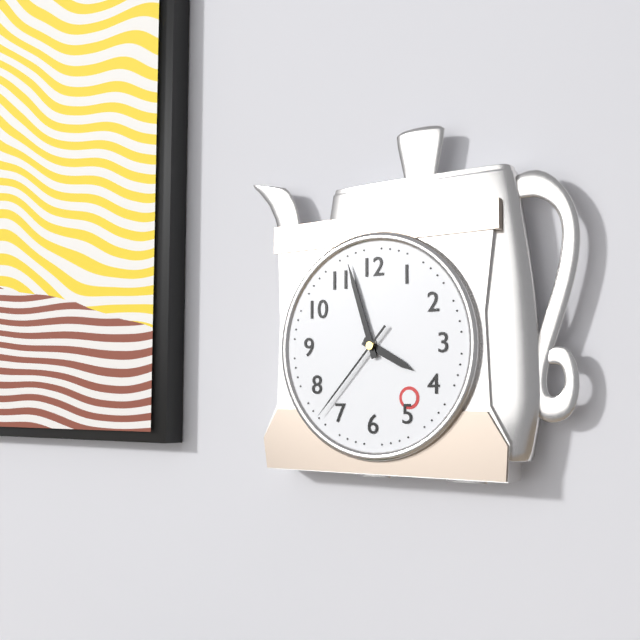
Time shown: h=3 m=57 s=37
